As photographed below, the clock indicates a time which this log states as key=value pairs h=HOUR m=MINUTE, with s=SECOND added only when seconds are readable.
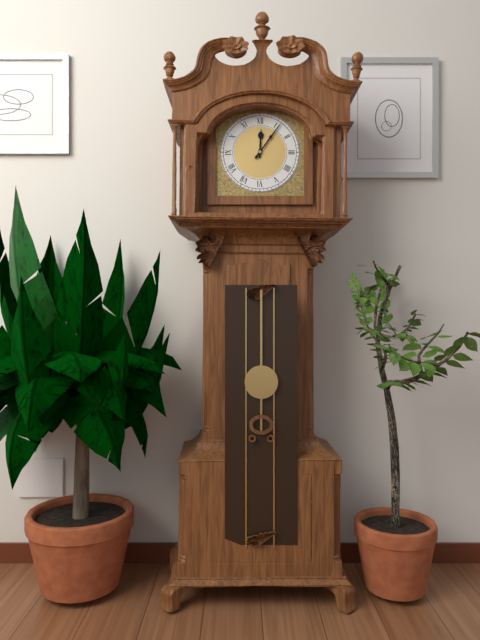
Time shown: h=12 m=6
